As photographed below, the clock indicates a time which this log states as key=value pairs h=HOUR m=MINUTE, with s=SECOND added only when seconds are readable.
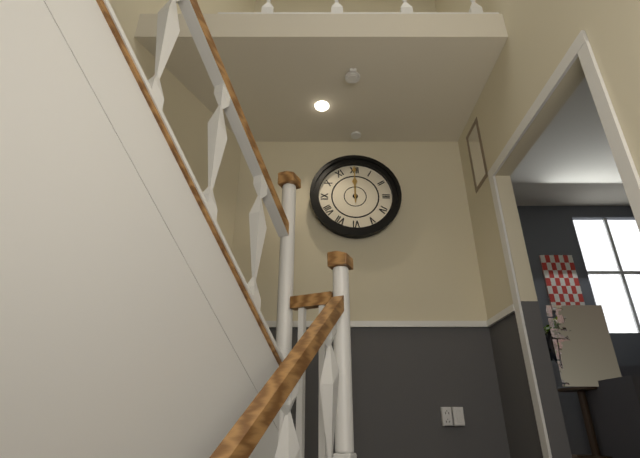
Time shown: h=12 m=0
